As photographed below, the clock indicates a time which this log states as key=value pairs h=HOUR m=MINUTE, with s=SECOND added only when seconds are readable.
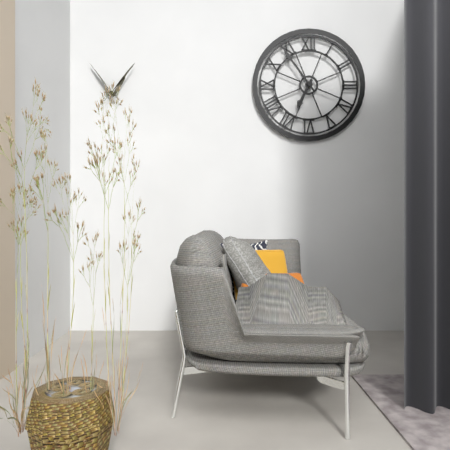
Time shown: h=6 m=54
